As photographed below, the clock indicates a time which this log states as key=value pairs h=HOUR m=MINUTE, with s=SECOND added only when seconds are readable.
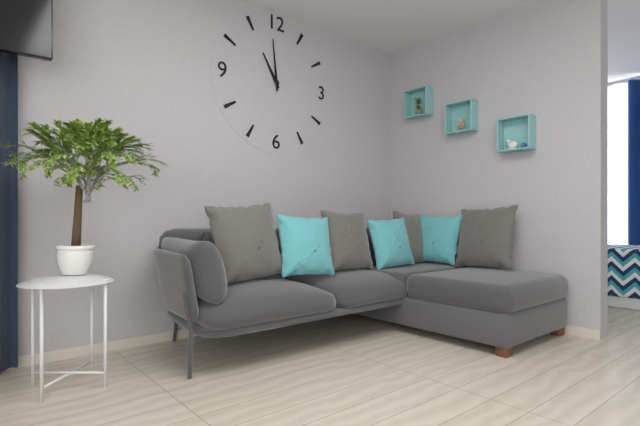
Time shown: h=10 m=59
